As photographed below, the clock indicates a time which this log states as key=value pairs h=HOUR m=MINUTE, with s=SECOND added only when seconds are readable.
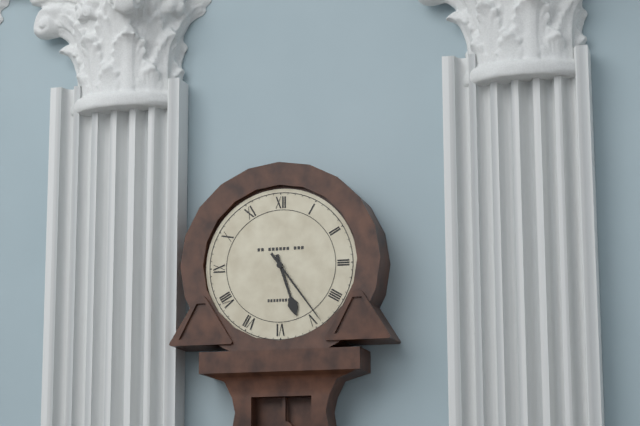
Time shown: h=5 m=24
